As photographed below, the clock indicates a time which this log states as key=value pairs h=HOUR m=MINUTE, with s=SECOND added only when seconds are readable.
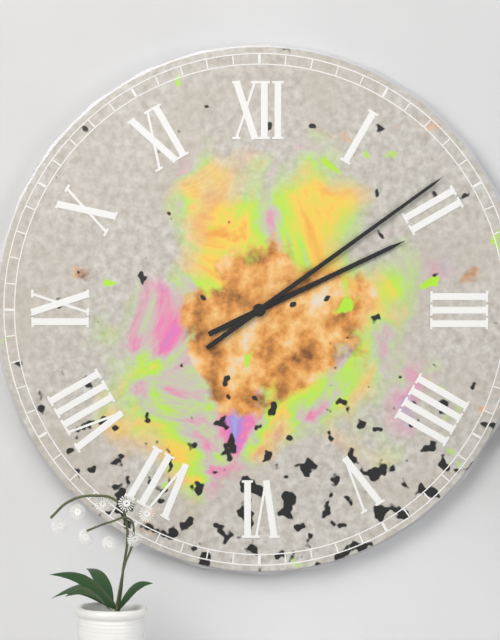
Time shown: h=2 m=9
